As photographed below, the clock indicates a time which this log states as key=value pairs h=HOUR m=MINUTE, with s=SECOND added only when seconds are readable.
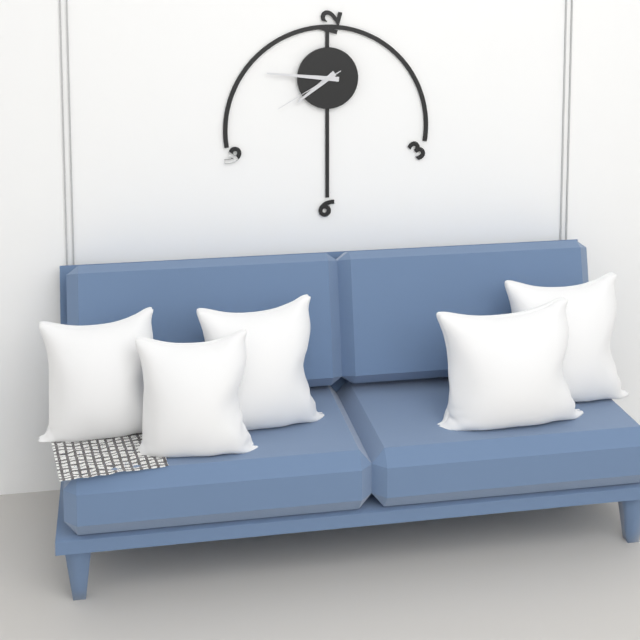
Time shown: h=7 m=46 s=40
